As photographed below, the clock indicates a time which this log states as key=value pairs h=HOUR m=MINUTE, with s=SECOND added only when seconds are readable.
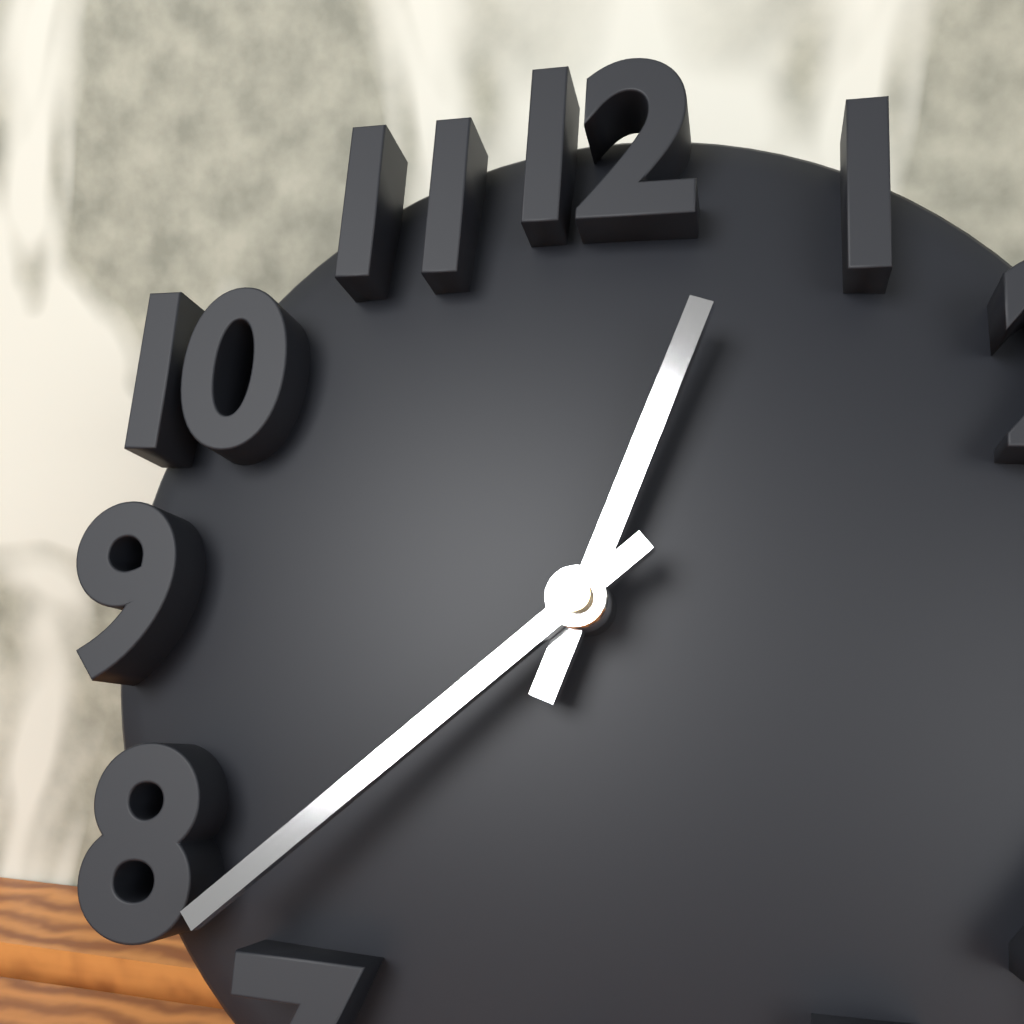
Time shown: h=12 m=38
